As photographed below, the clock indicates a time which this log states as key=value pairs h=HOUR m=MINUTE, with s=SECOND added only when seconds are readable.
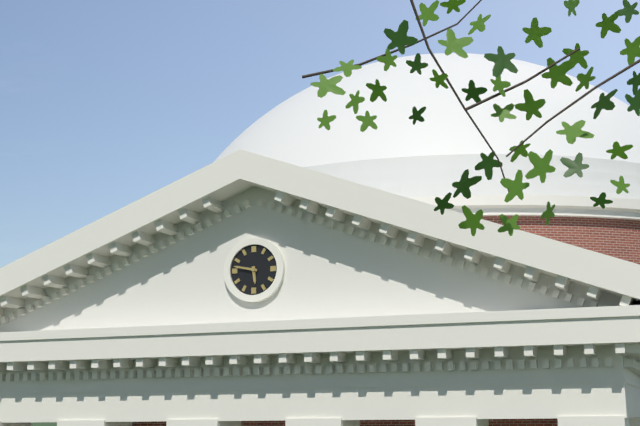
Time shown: h=5 m=47
